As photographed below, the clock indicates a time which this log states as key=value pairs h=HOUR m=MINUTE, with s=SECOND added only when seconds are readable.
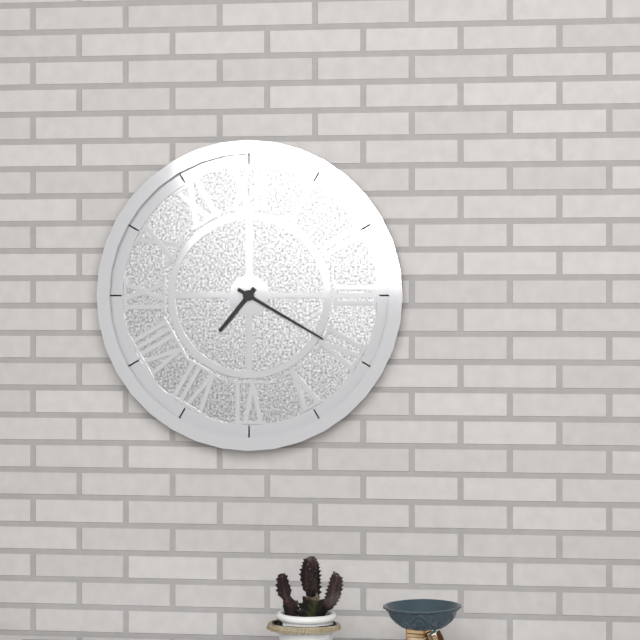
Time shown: h=7 m=20
